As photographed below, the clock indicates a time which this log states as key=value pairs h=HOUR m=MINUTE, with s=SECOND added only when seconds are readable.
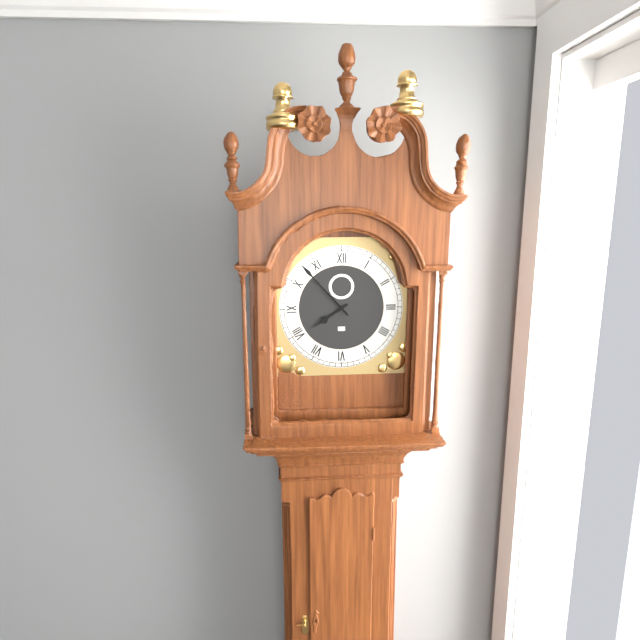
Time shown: h=7 m=53
